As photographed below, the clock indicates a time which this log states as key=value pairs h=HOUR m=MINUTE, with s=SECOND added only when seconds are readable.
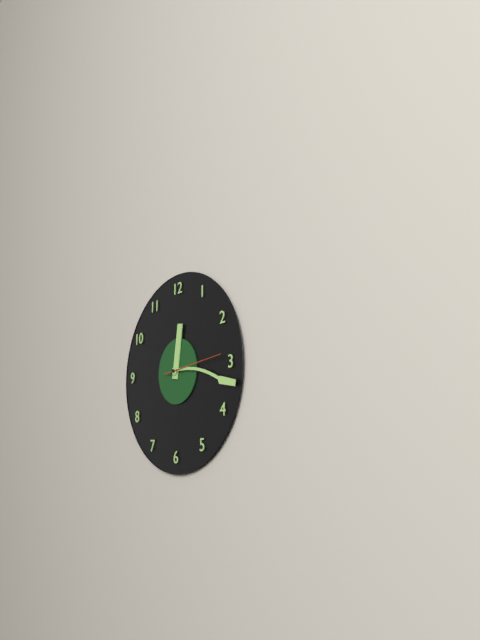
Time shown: h=12 m=17 s=14
